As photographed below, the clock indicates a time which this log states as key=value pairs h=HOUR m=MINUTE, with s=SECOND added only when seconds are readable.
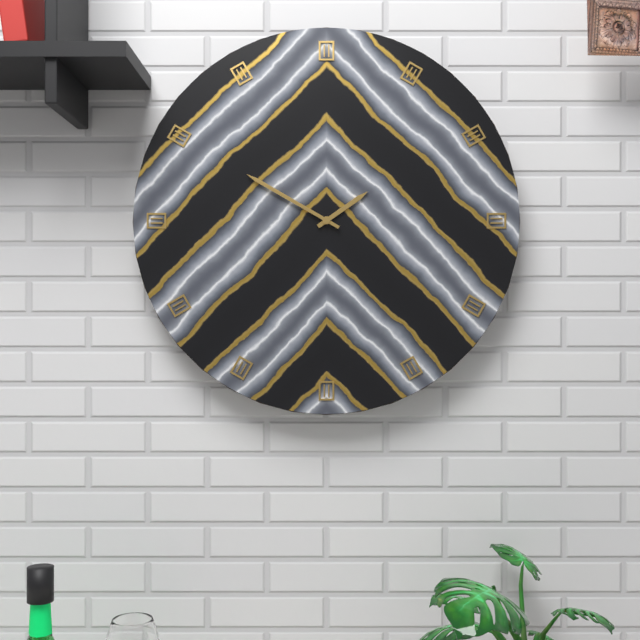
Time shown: h=1 m=50
